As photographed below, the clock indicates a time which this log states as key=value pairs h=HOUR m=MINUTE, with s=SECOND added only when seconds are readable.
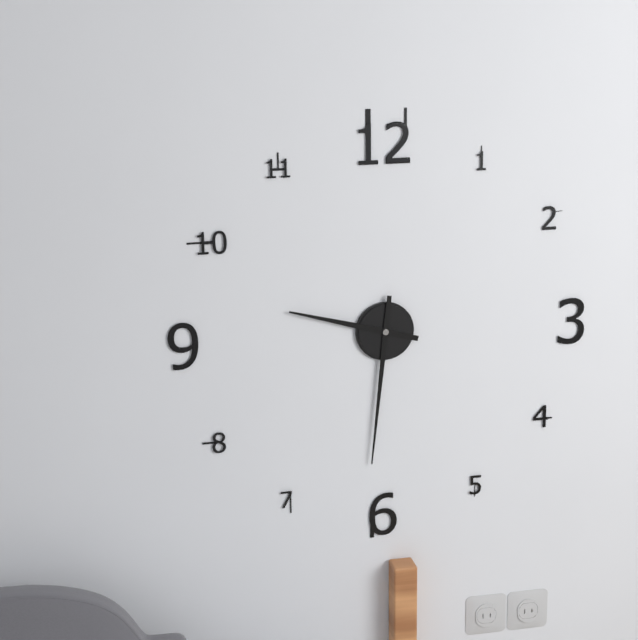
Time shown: h=9 m=31
